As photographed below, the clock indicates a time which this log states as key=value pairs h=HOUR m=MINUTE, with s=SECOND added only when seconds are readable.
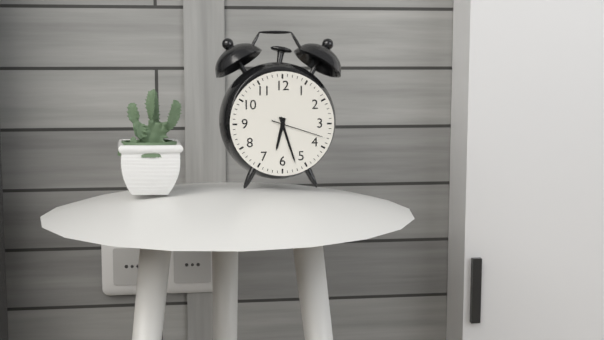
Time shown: h=6 m=27 s=18
